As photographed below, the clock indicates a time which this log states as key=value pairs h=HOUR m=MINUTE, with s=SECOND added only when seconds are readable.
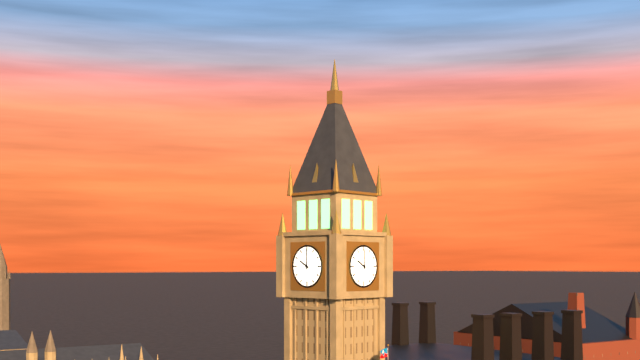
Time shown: h=10 m=0
